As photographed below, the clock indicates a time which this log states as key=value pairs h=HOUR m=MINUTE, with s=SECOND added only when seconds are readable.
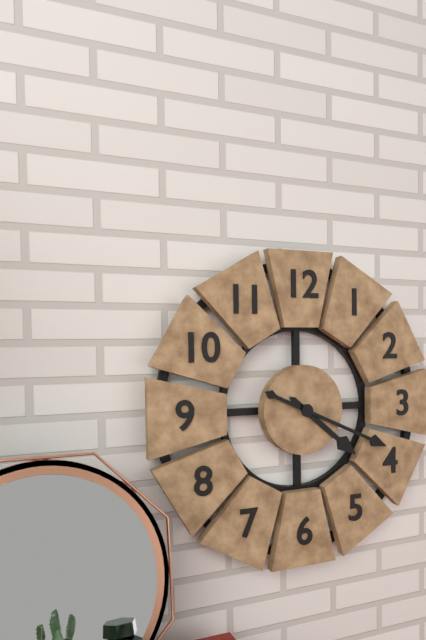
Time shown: h=4 m=19
